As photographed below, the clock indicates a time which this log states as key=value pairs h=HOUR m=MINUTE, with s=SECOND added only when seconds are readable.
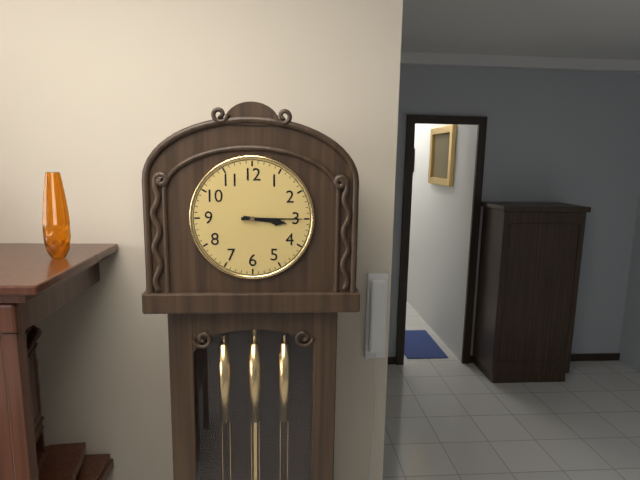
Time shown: h=3 m=15
